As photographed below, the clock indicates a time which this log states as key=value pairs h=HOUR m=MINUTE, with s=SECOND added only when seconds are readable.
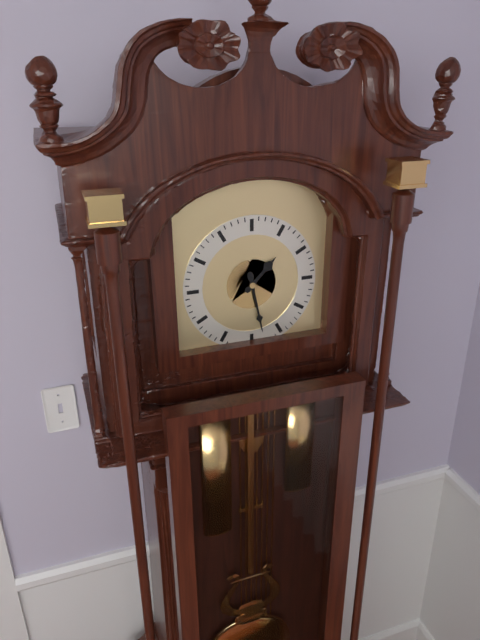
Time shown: h=1 m=28
